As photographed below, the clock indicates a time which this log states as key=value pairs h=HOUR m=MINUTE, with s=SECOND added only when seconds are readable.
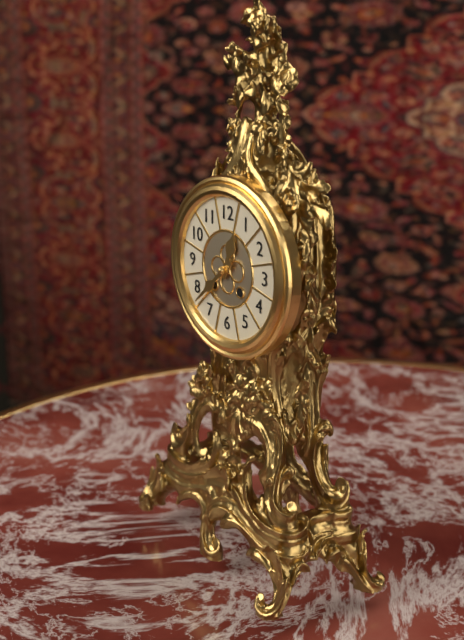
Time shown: h=12 m=38
